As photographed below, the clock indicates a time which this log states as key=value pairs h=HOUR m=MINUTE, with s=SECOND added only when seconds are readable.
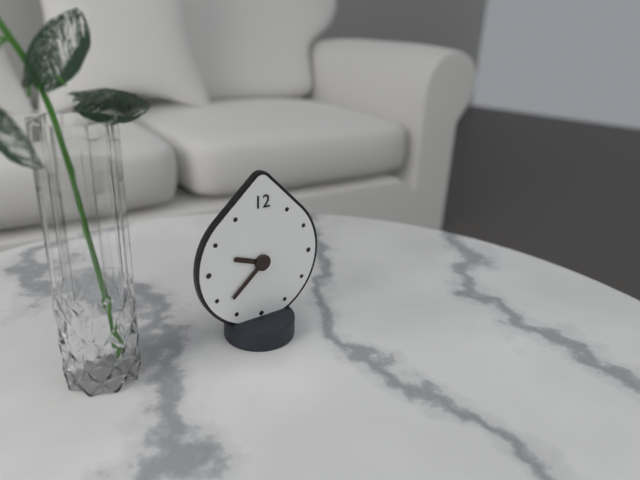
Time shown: h=9 m=38
